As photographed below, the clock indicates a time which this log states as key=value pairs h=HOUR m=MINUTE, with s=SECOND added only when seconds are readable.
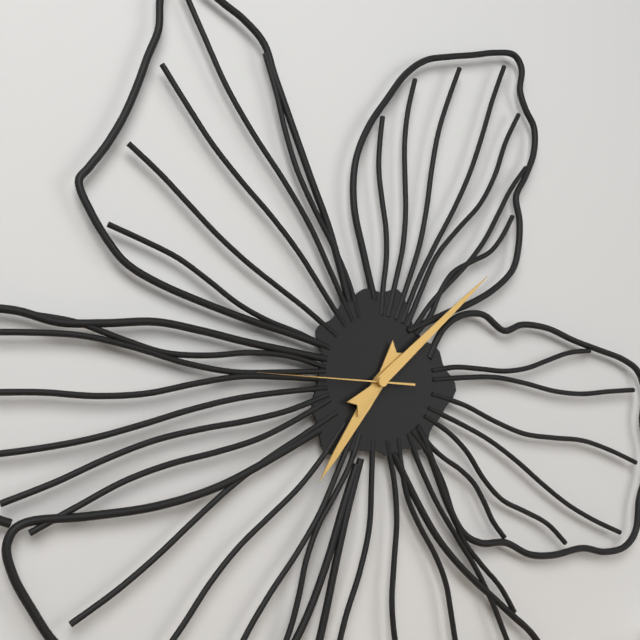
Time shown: h=7 m=8 s=45
